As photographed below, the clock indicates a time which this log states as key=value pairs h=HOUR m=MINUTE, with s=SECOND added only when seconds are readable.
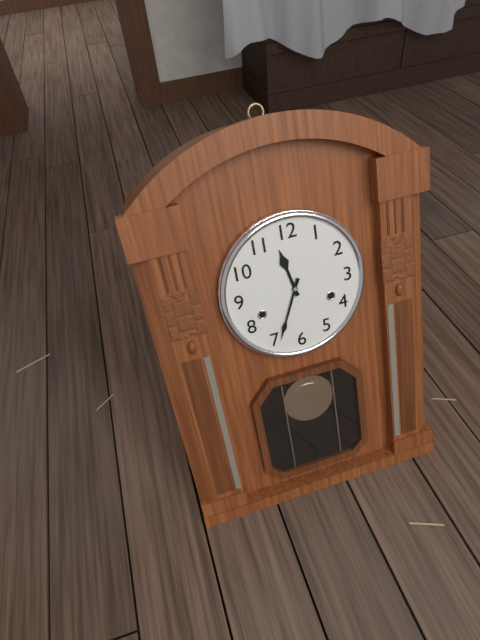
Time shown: h=11 m=34
